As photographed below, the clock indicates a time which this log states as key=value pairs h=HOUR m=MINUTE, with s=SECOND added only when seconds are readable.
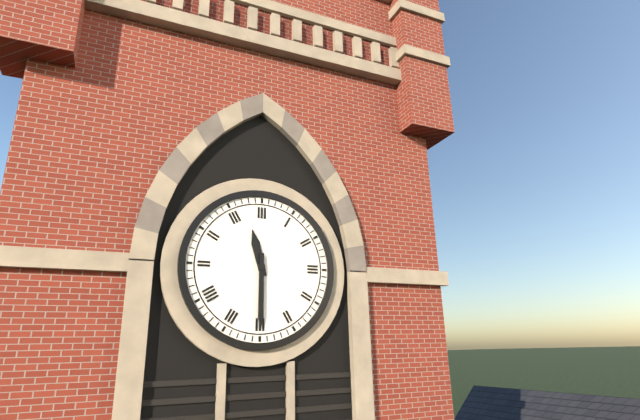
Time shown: h=11 m=30
